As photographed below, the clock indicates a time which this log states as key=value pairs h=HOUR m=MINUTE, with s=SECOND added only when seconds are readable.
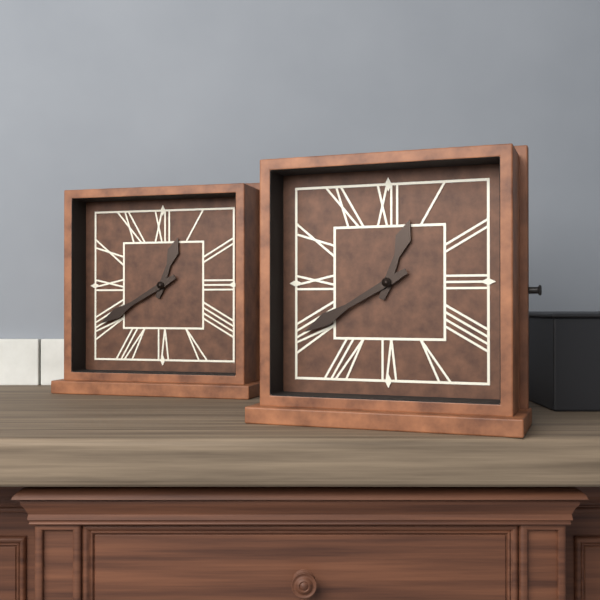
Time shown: h=12 m=40
